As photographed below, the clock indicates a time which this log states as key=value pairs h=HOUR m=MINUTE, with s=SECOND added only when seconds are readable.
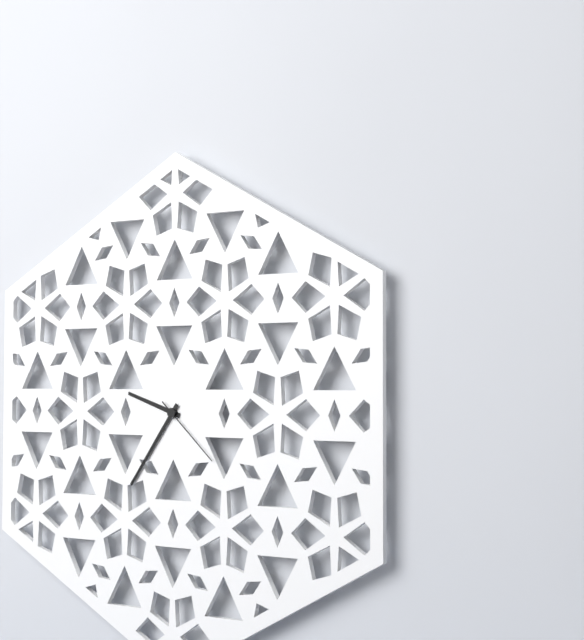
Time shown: h=9 m=36 s=22
